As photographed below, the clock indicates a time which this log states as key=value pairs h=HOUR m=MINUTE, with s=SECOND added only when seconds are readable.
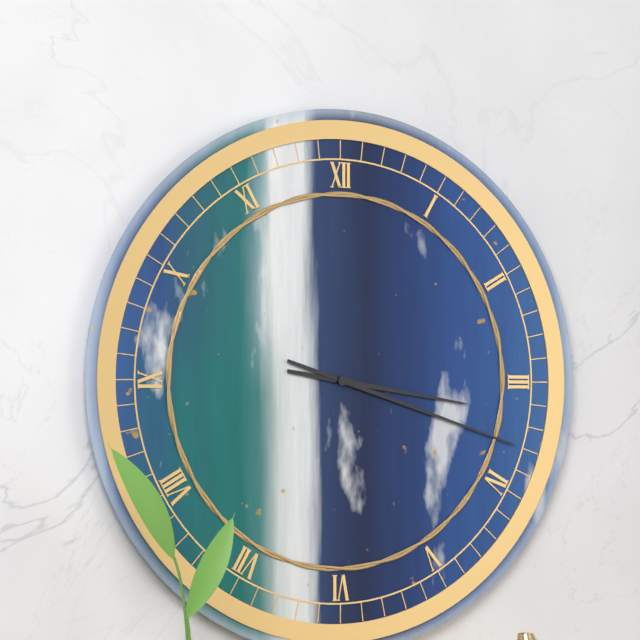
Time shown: h=3 m=18
